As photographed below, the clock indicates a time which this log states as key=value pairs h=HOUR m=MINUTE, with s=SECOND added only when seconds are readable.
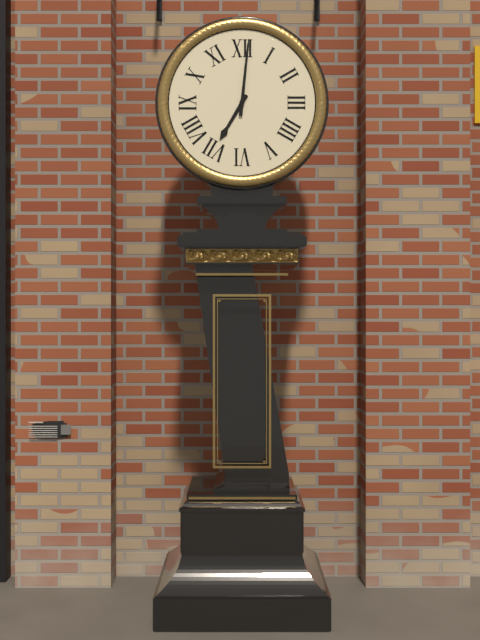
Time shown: h=7 m=1
